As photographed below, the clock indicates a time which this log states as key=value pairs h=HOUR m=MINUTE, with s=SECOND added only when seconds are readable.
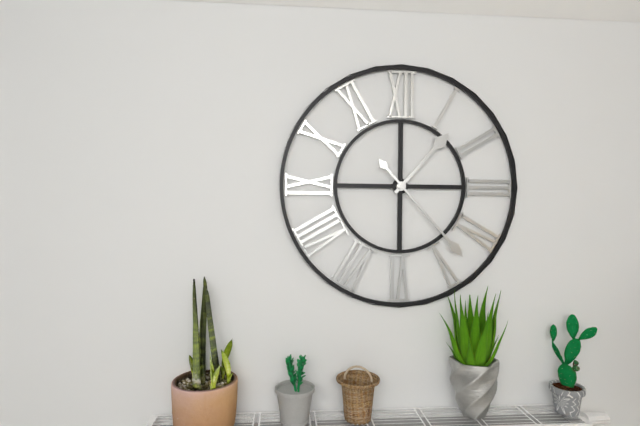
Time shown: h=1 m=23
